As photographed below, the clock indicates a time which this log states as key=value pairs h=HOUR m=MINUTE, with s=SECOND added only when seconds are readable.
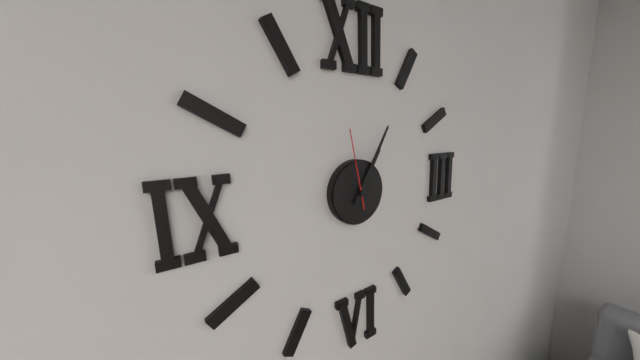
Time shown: h=1 m=5 s=58
